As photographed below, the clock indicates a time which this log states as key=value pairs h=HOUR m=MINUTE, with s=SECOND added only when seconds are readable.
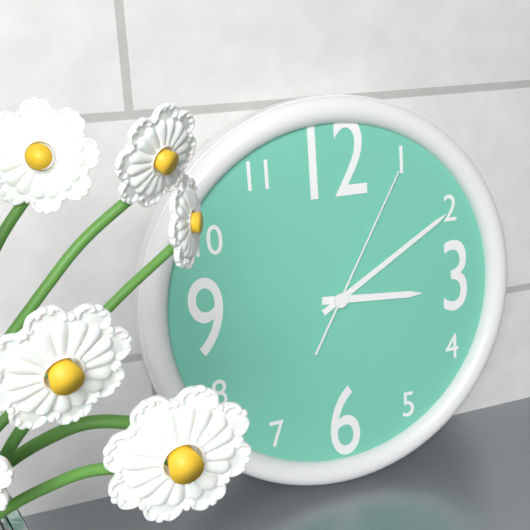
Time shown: h=3 m=10 s=5
